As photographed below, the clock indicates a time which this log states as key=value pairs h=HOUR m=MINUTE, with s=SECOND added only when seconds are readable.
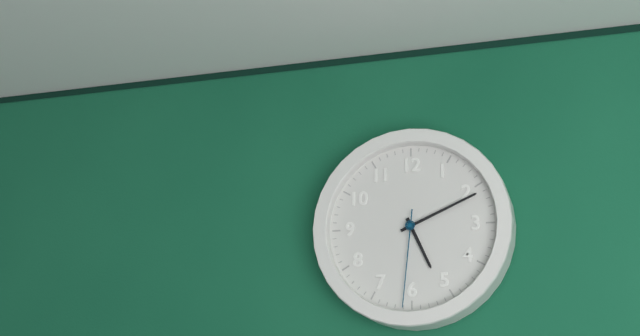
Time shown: h=5 m=11 s=31
